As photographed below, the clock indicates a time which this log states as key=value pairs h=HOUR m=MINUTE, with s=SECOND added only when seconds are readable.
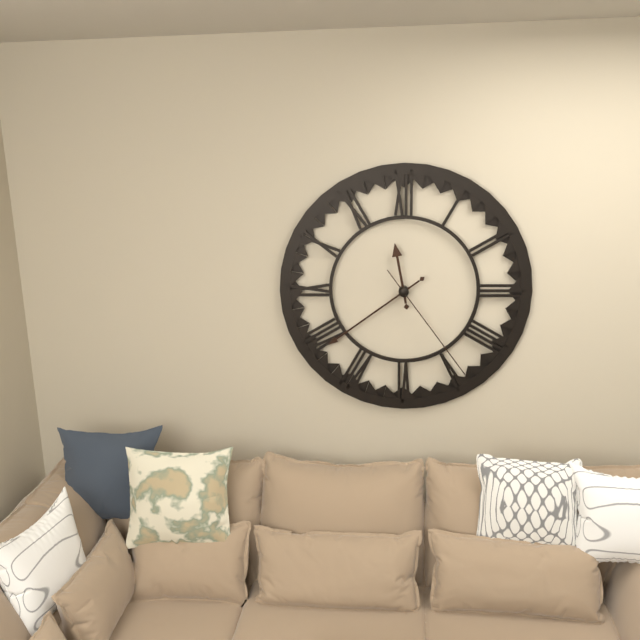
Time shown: h=11 m=39 s=24
